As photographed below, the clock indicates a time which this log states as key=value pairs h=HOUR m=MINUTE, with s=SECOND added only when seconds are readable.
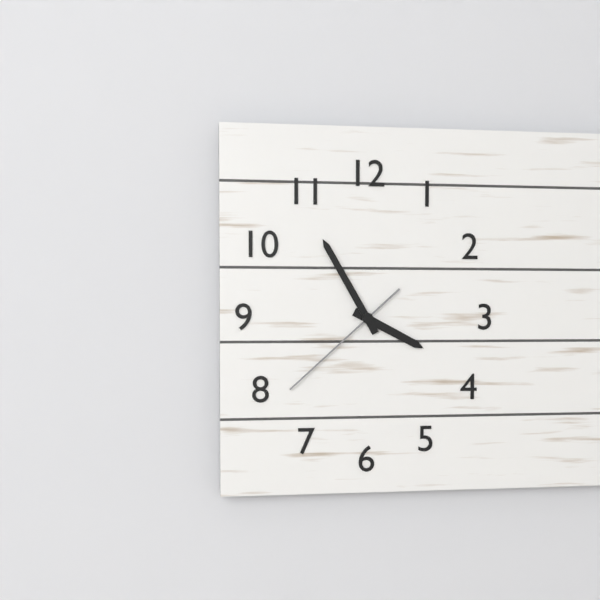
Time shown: h=3 m=55 s=38
